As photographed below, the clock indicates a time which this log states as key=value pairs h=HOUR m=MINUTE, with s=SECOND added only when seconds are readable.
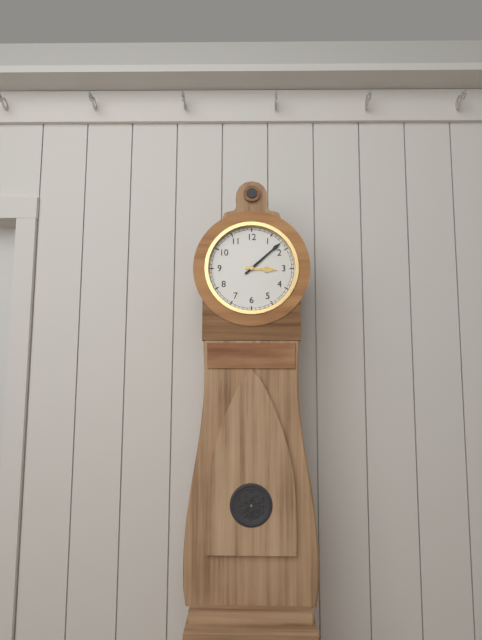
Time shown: h=3 m=8
